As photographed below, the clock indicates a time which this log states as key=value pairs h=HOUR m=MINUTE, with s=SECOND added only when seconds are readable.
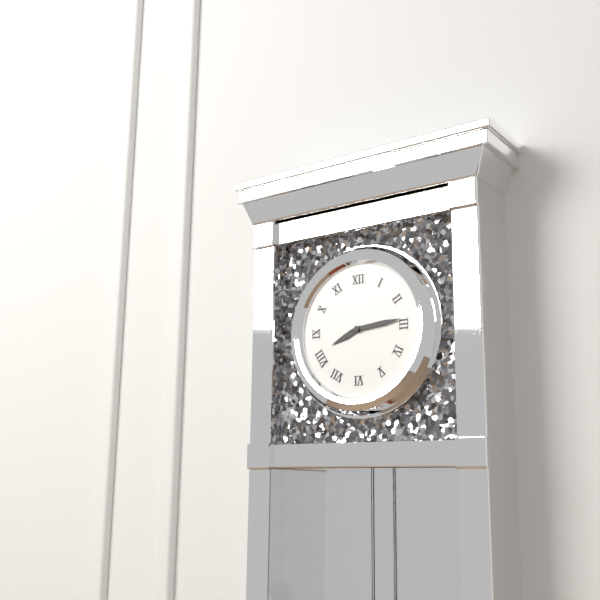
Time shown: h=8 m=14
